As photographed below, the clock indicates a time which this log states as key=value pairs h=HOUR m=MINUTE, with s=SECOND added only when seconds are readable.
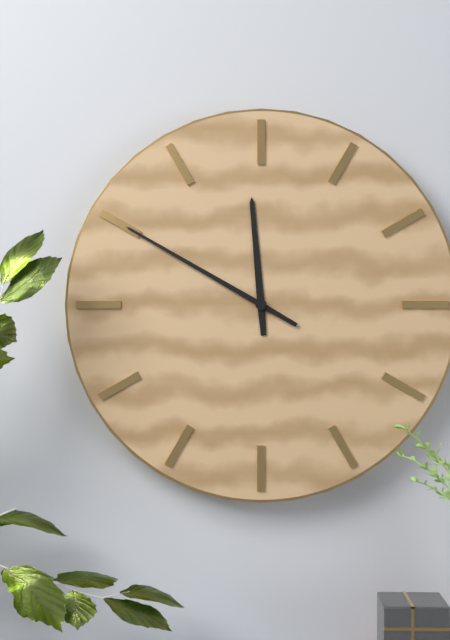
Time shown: h=11 m=50
